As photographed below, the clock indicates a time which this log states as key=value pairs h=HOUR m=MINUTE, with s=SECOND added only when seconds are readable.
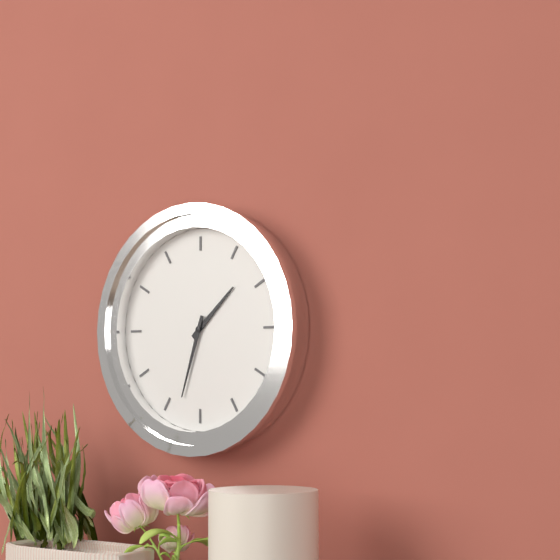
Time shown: h=1 m=33
